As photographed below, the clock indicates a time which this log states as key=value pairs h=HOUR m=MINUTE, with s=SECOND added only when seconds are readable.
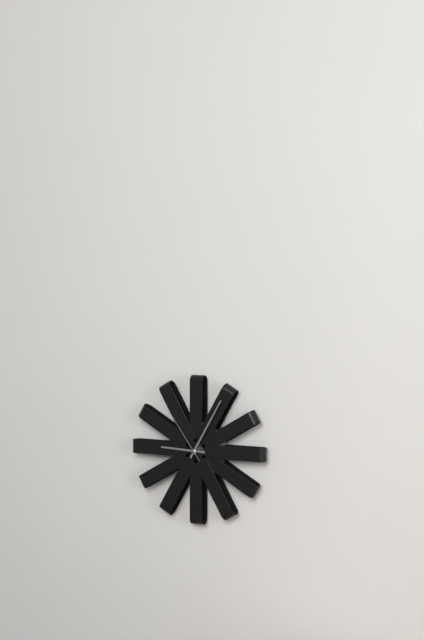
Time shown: h=9 m=5 s=54
